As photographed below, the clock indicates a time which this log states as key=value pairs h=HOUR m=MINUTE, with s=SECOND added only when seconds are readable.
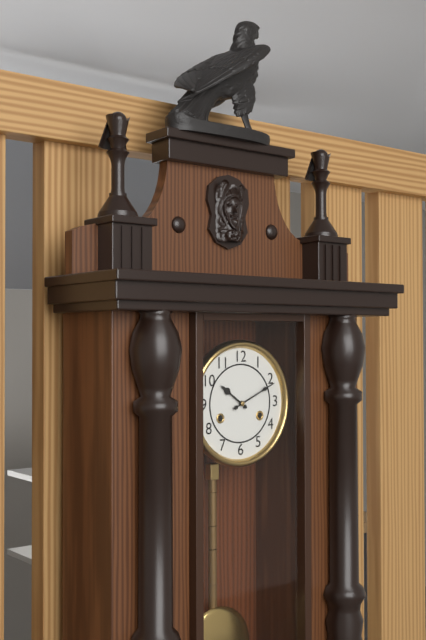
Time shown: h=10 m=11
